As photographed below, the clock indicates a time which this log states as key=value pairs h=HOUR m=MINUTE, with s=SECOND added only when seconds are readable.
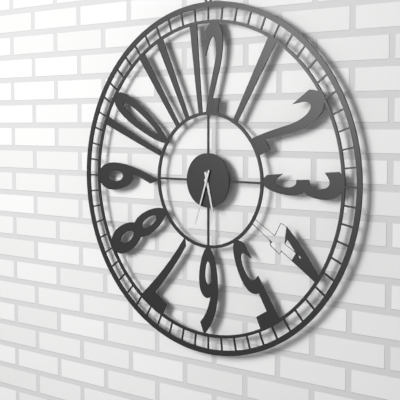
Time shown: h=5 m=33
